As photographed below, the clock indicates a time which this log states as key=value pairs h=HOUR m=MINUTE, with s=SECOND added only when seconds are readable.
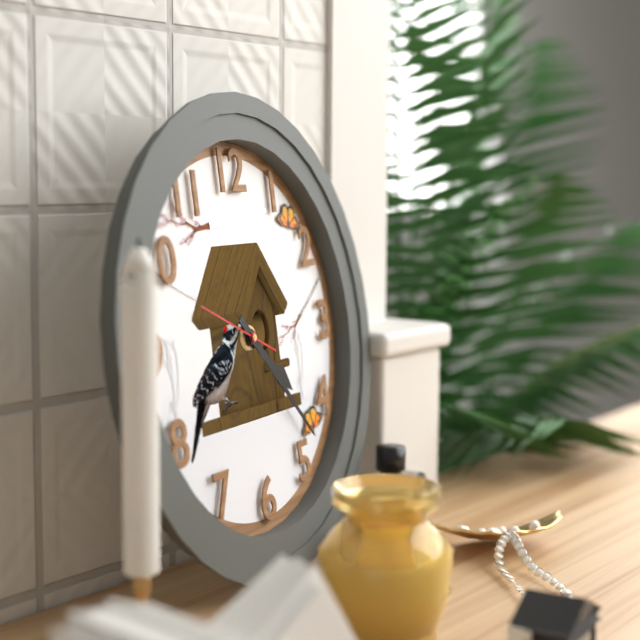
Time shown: h=4 m=23 s=49
